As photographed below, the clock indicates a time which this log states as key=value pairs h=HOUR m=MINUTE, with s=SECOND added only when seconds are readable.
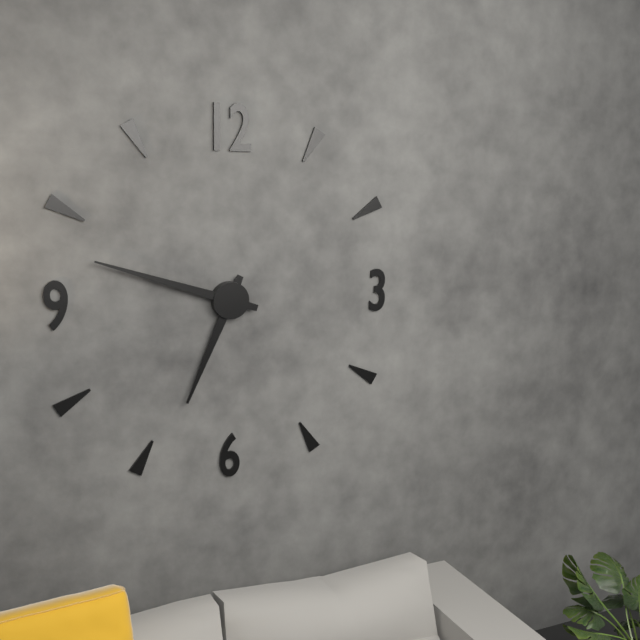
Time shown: h=6 m=48
